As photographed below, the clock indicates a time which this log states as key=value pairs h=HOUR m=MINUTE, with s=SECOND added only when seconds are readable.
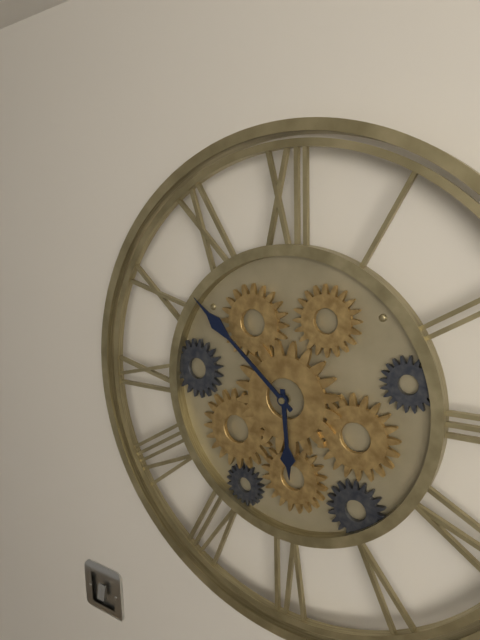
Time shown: h=5 m=52
